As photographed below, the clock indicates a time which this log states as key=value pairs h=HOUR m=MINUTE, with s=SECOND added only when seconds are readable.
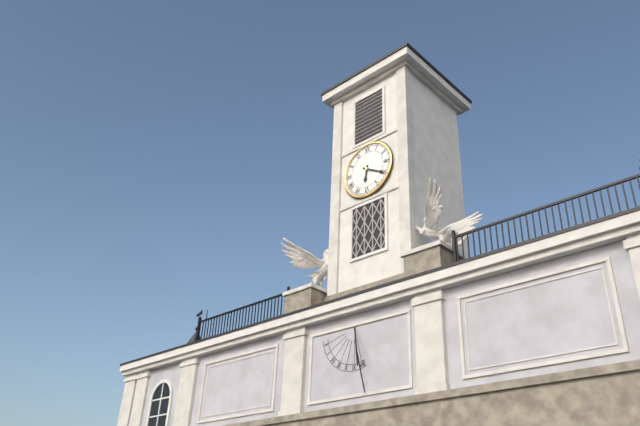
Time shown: h=6 m=20
